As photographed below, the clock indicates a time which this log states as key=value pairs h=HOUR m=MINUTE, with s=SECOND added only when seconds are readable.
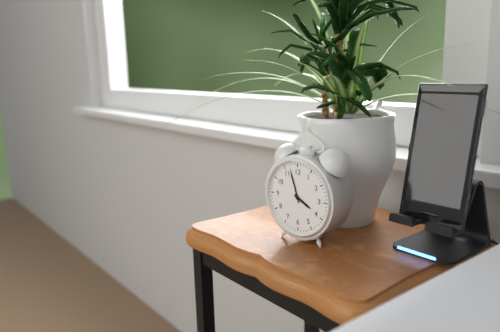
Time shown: h=3 m=57
